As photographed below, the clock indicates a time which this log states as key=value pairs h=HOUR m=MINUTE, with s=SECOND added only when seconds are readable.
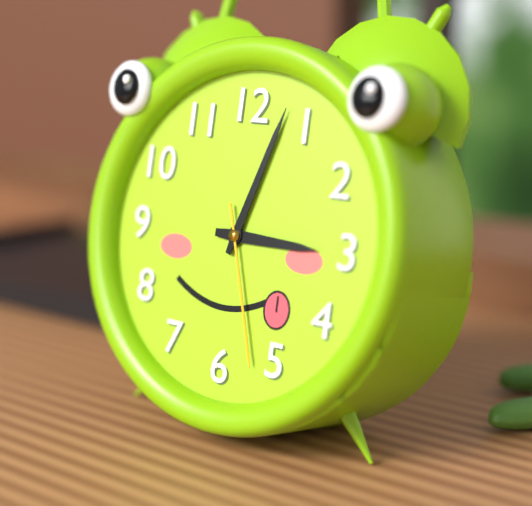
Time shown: h=3 m=3 s=27
